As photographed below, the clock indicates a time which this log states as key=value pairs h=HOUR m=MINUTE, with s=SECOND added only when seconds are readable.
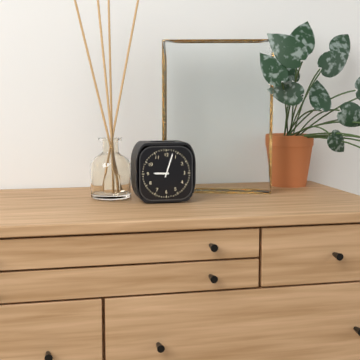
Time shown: h=9 m=3
